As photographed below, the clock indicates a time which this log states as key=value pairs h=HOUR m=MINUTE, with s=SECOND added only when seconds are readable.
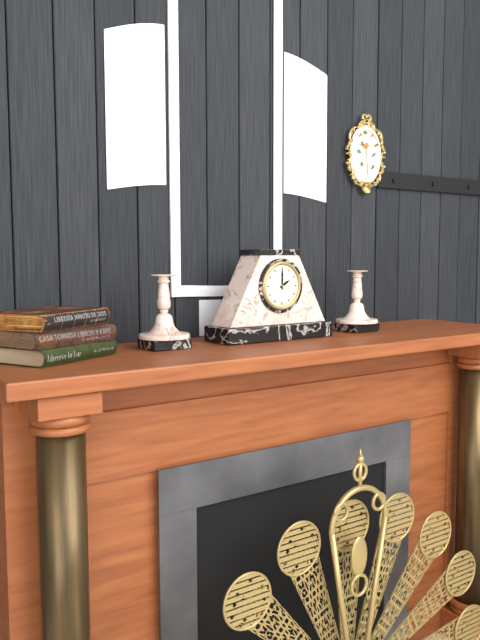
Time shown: h=2 m=0
